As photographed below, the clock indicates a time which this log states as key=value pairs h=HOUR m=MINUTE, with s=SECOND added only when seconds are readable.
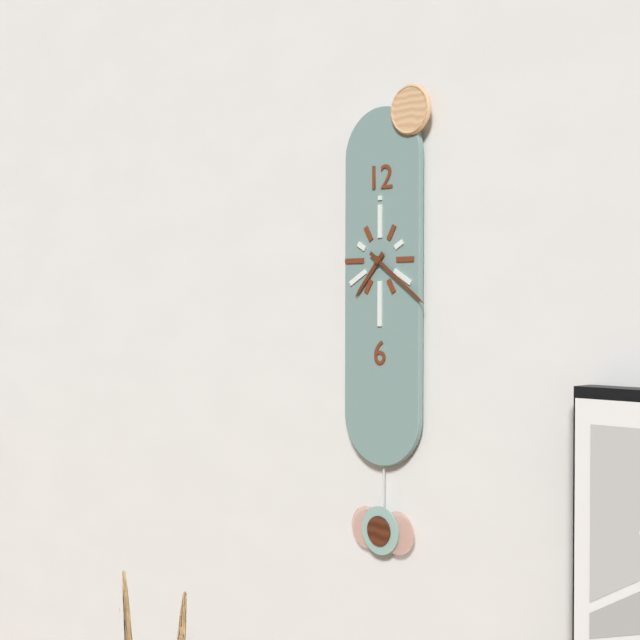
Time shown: h=7 m=21
